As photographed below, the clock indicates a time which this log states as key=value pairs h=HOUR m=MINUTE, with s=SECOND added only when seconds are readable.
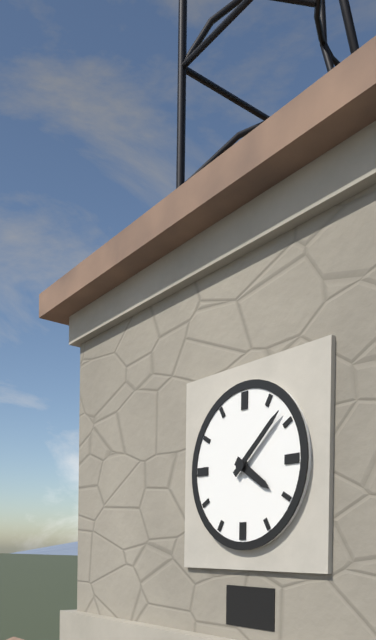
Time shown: h=4 m=8
